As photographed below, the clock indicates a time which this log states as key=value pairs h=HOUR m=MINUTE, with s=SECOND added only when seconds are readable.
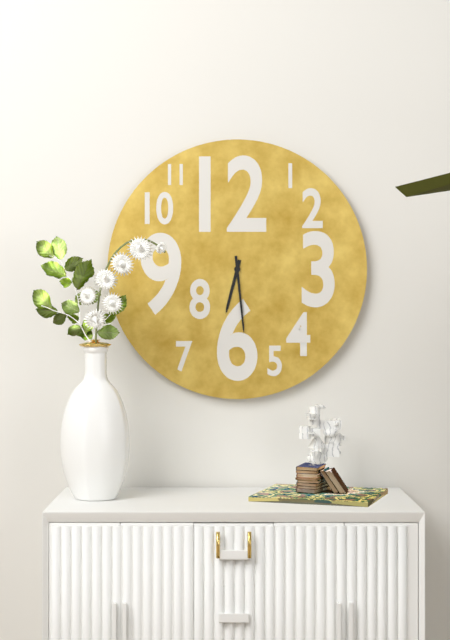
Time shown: h=6 m=29
